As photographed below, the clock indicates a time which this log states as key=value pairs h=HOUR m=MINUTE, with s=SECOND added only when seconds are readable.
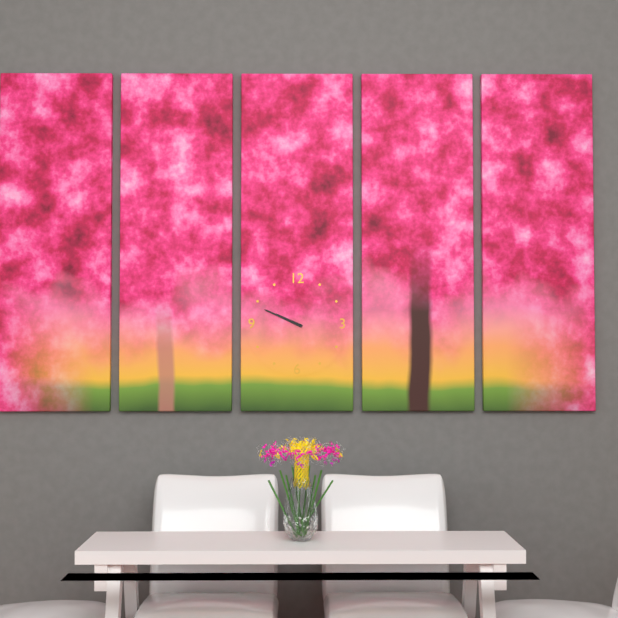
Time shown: h=9 m=49
